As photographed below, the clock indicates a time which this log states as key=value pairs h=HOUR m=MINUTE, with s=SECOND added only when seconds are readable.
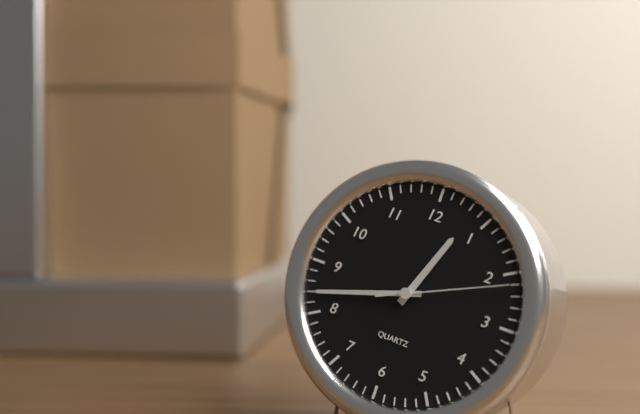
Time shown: h=12 m=42 s=11
